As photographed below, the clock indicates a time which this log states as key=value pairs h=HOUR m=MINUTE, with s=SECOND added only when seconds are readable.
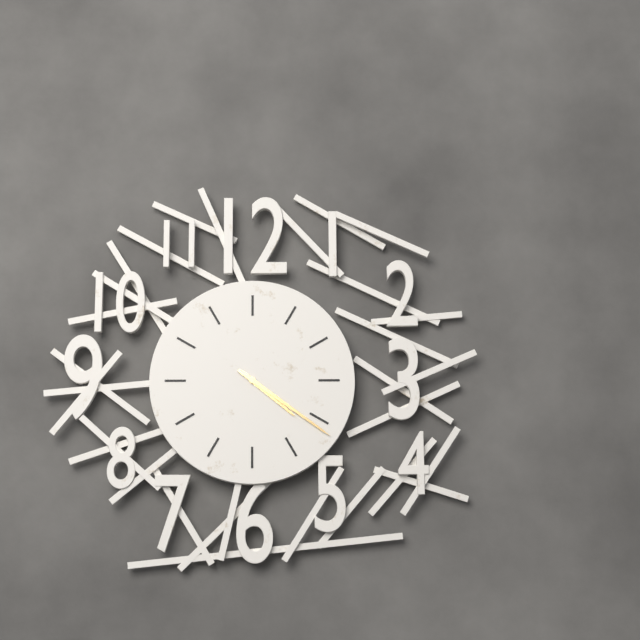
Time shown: h=4 m=21
